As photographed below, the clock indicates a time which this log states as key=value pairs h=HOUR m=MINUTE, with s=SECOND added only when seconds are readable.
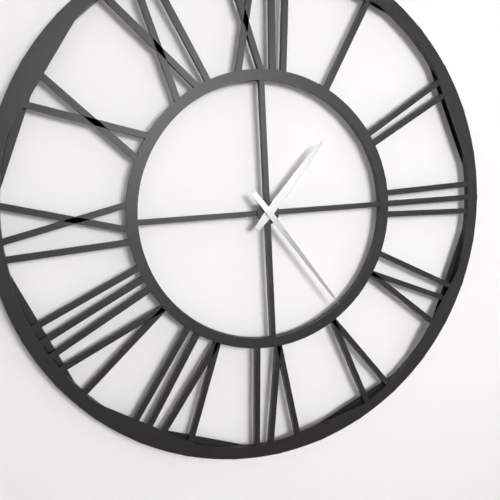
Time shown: h=1 m=24
